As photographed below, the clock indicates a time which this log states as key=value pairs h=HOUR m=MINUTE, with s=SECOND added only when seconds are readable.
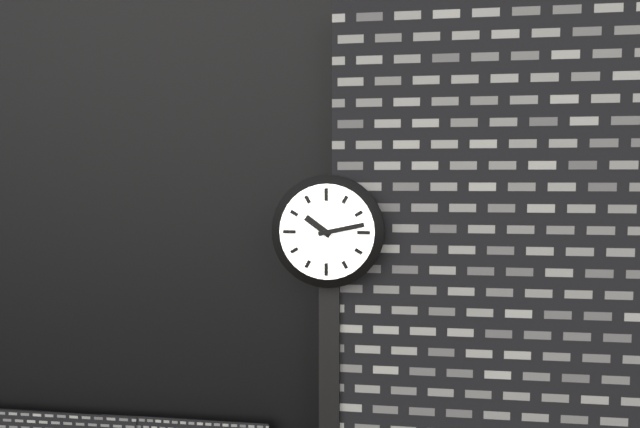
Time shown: h=10 m=13
